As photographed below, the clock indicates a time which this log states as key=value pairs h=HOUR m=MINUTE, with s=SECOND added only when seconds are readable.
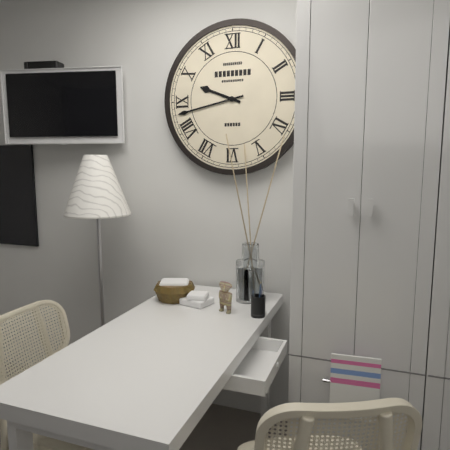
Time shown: h=9 m=43
